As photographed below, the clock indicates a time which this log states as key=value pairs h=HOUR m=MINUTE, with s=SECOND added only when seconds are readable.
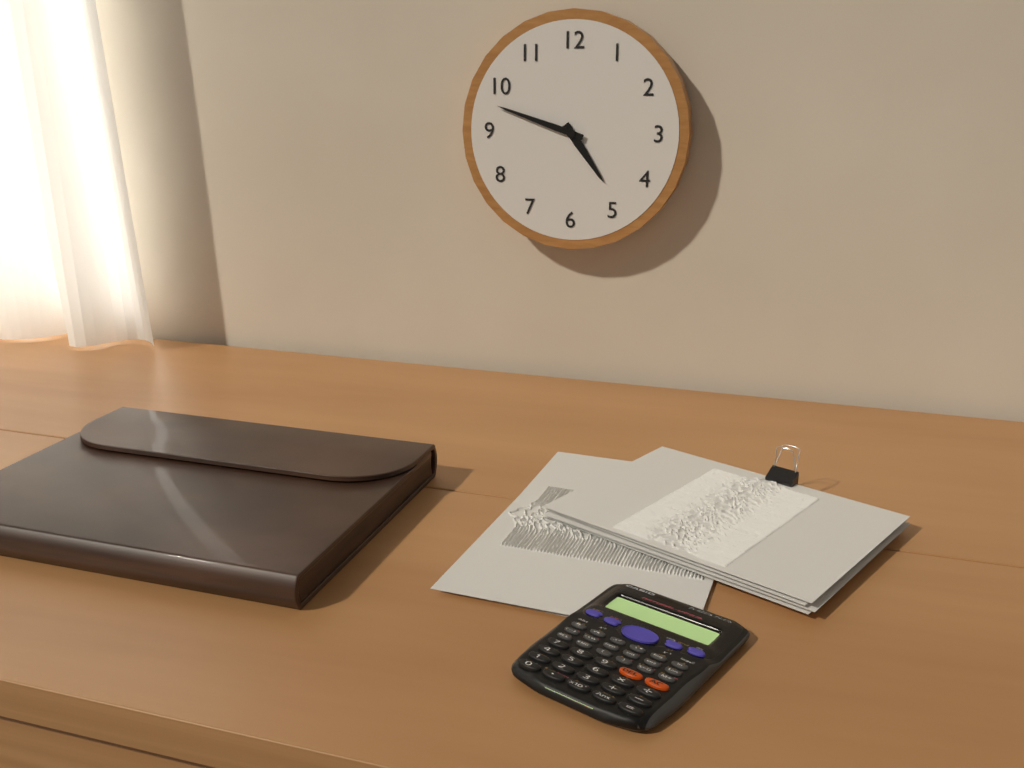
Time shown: h=4 m=48
